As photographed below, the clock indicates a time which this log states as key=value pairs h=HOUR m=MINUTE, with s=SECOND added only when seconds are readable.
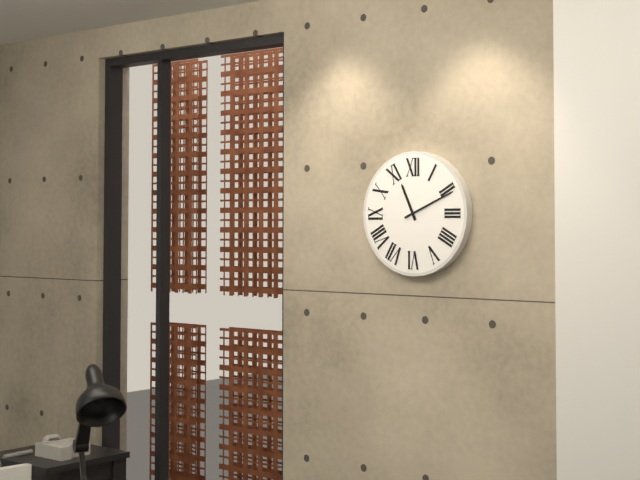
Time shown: h=11 m=11
